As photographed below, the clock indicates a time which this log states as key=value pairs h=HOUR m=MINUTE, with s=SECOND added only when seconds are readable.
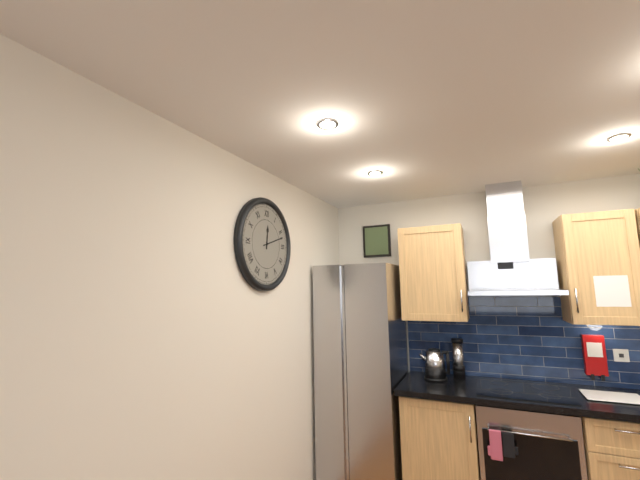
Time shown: h=12 m=12
